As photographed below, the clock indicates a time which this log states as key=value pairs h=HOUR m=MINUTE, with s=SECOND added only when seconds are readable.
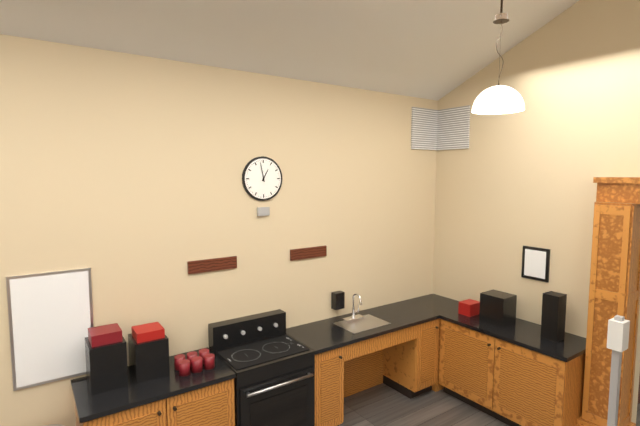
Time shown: h=12 m=58
